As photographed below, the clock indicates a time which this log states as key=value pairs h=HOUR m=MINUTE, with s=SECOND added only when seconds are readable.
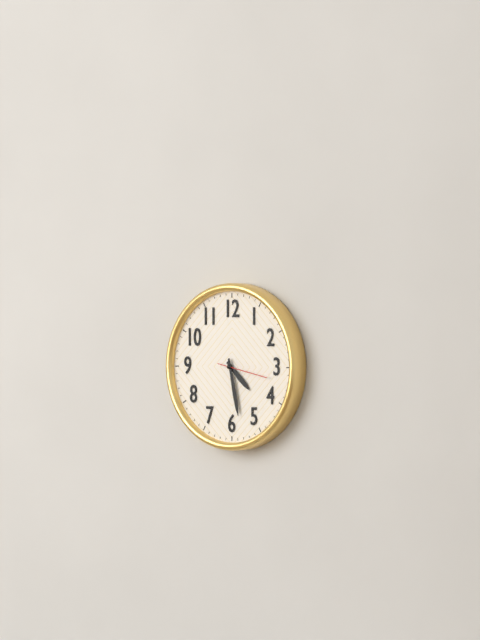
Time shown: h=4 m=28
